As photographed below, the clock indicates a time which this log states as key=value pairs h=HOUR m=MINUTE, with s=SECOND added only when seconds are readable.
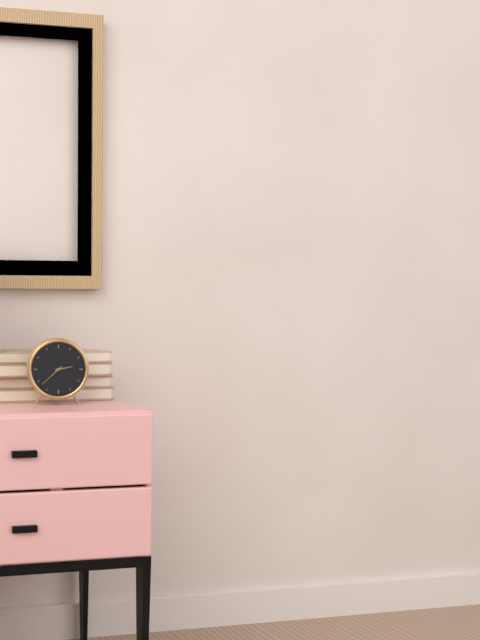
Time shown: h=2 m=38
